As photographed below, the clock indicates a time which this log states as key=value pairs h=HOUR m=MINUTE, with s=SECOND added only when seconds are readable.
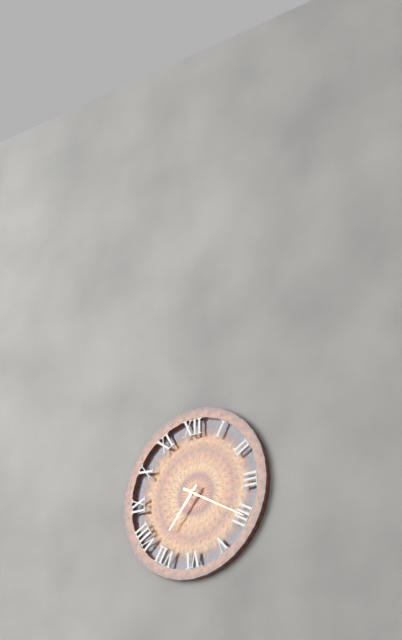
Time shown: h=7 m=20
